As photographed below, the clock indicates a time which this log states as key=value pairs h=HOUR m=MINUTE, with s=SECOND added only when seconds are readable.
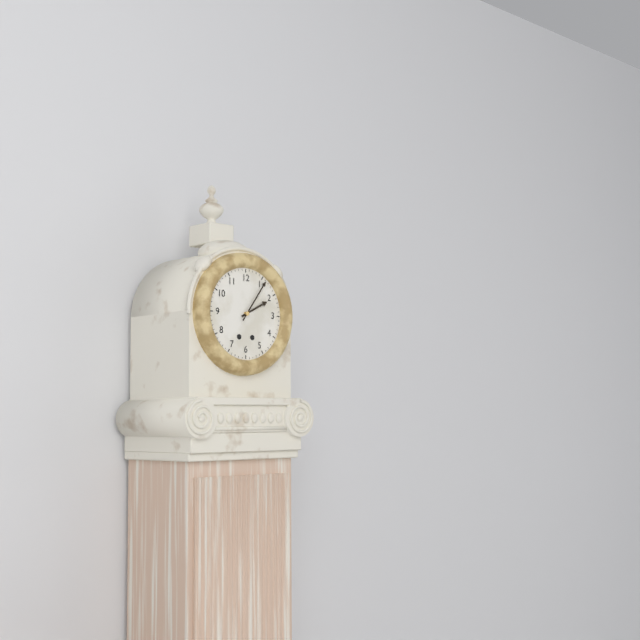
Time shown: h=2 m=6
